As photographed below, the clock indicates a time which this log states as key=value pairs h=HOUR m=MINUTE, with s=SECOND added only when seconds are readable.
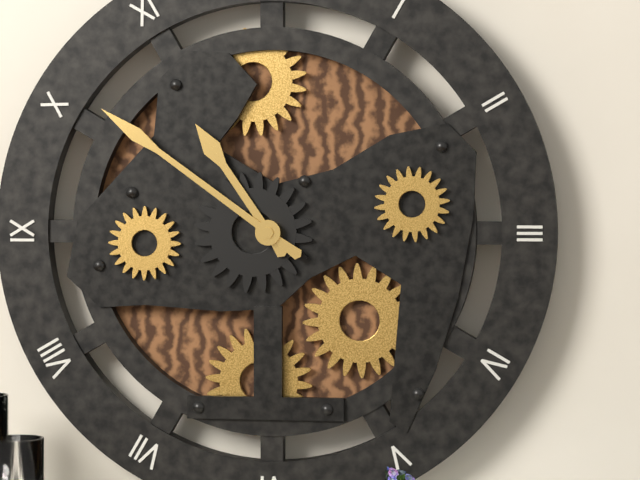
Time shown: h=10 m=51
